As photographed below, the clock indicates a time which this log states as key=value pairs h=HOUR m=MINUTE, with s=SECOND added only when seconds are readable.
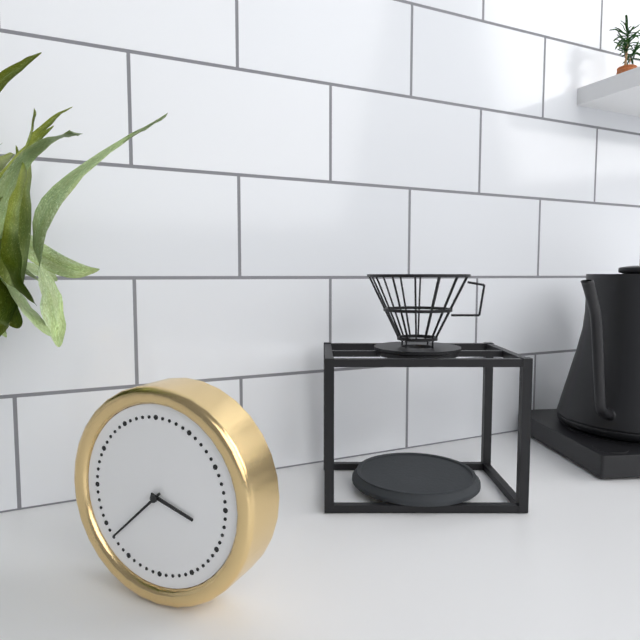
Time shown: h=3 m=38
